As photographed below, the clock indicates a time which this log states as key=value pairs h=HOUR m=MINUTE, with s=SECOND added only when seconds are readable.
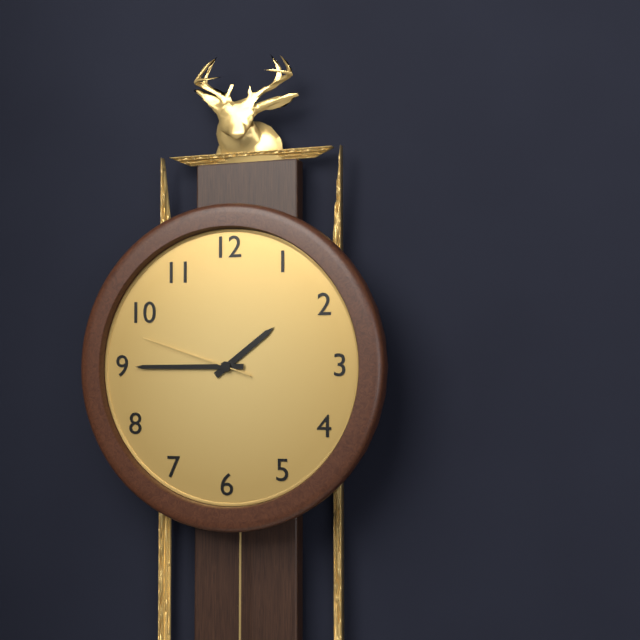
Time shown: h=1 m=45 s=48
